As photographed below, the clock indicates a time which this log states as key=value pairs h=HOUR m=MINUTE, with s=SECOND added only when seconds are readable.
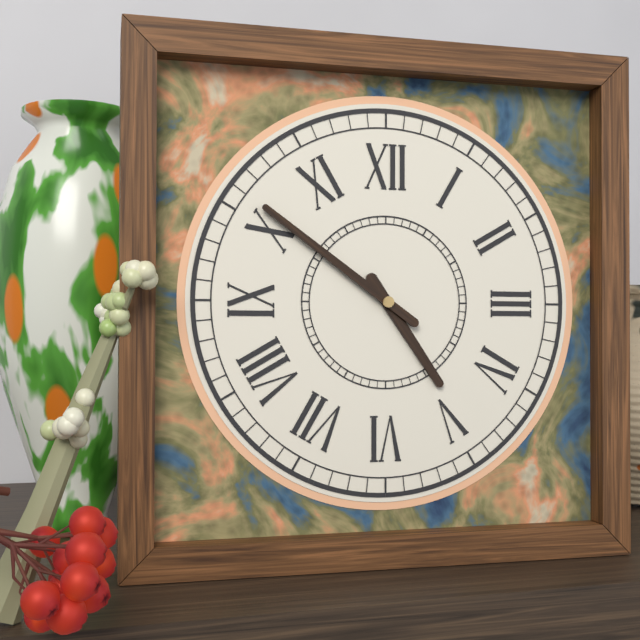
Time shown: h=4 m=51
